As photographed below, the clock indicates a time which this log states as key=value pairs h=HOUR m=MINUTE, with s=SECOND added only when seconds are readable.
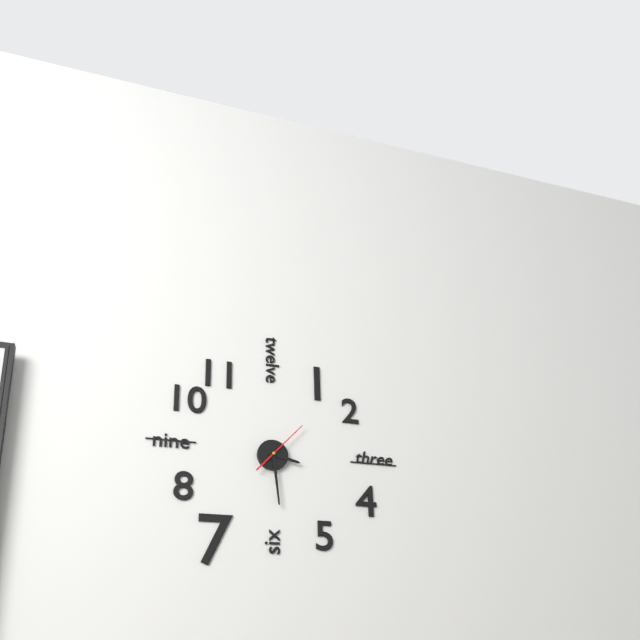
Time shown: h=3 m=29 s=7
